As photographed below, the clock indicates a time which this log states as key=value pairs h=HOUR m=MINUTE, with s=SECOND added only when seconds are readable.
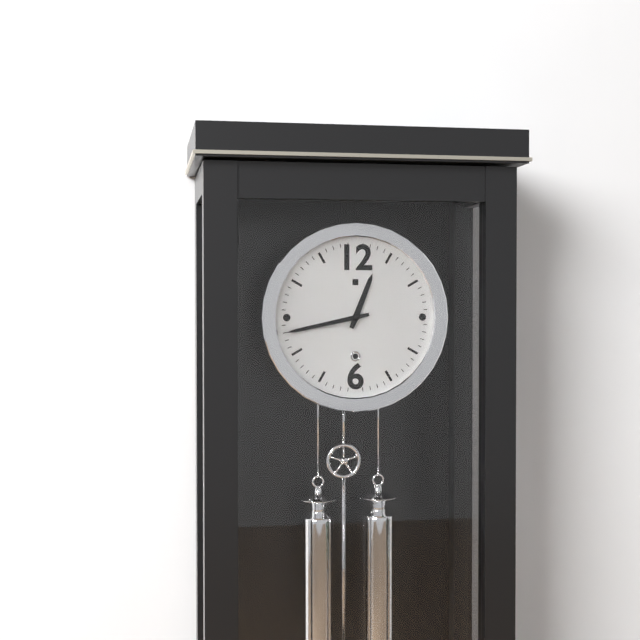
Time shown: h=12 m=43
